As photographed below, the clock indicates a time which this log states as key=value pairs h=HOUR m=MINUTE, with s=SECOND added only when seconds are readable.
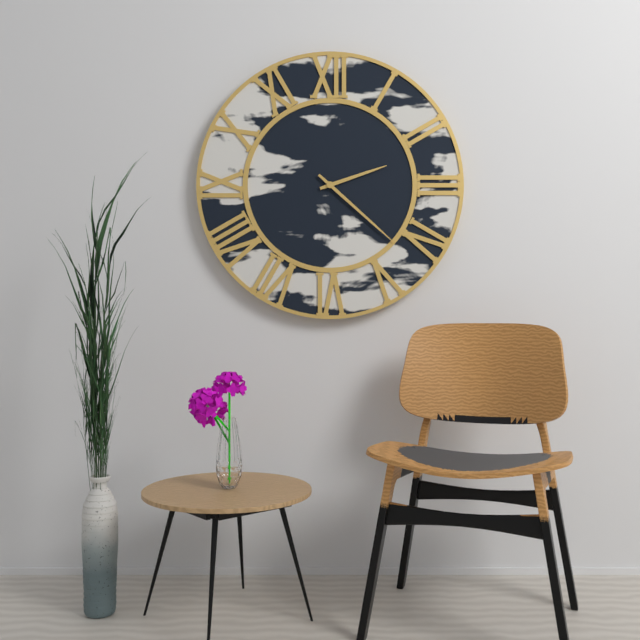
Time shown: h=2 m=22
